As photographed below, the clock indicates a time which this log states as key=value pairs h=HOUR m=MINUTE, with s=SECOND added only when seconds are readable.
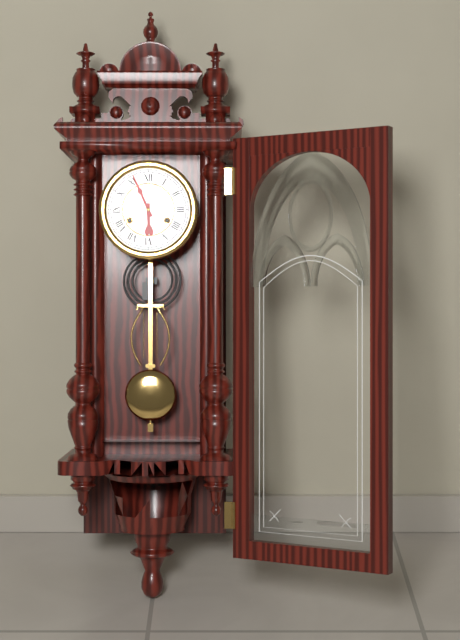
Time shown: h=5 m=56
